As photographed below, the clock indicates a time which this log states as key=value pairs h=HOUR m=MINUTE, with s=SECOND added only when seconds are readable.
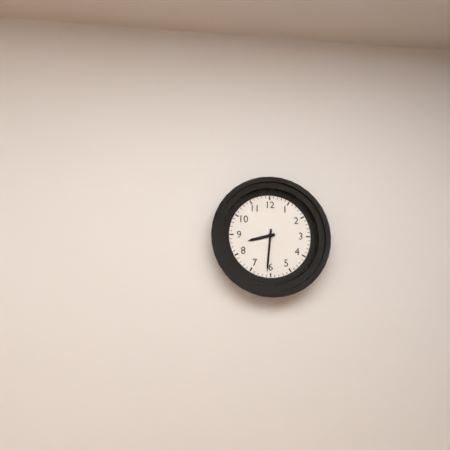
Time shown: h=8 m=31
